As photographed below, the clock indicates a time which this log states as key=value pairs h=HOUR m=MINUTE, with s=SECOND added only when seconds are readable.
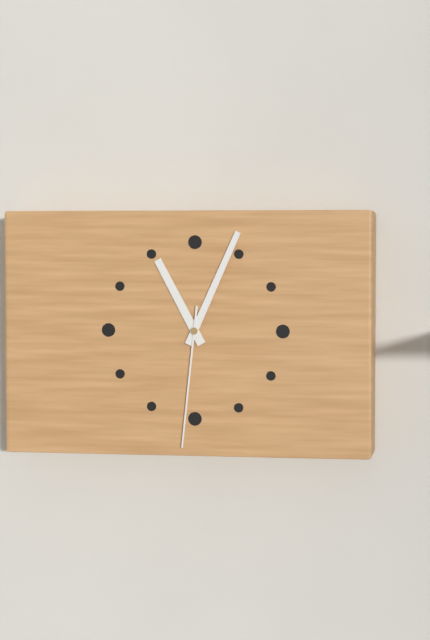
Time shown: h=11 m=4 s=31
